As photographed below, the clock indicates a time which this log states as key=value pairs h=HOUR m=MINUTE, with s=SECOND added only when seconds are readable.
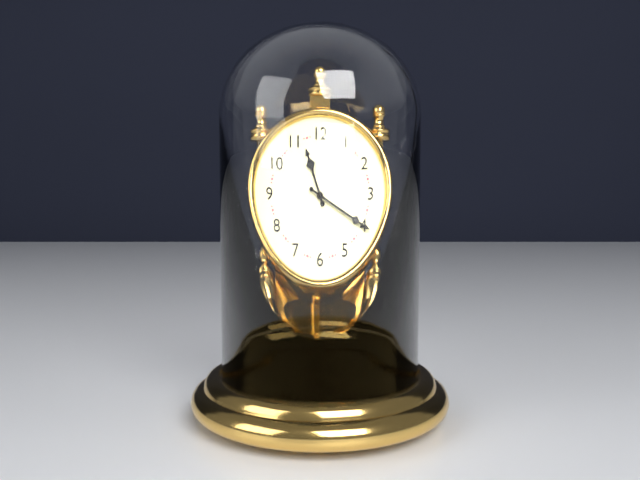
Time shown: h=11 m=20
